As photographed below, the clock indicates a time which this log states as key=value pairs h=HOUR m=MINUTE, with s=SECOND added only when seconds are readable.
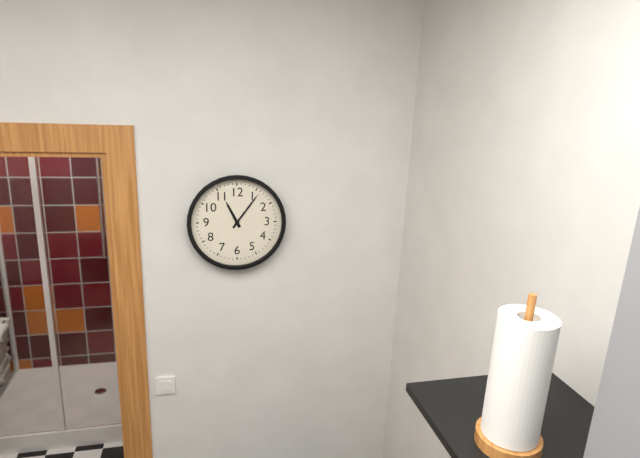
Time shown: h=11 m=6
